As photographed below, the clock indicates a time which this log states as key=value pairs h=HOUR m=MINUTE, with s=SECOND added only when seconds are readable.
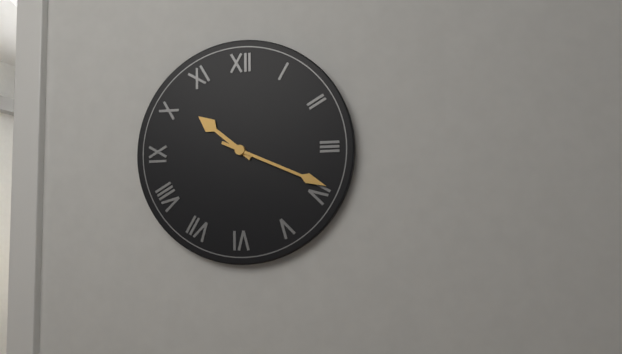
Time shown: h=10 m=19
